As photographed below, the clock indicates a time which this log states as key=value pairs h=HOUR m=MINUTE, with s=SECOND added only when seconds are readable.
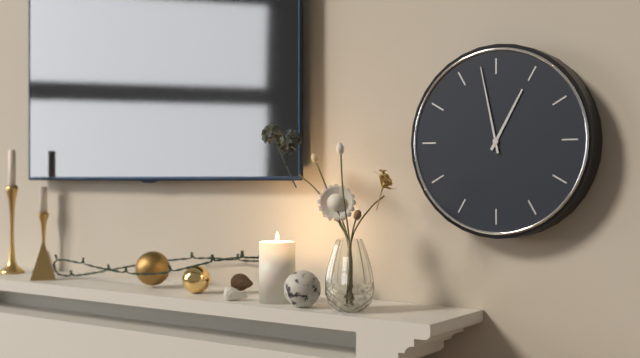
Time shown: h=12 m=58
